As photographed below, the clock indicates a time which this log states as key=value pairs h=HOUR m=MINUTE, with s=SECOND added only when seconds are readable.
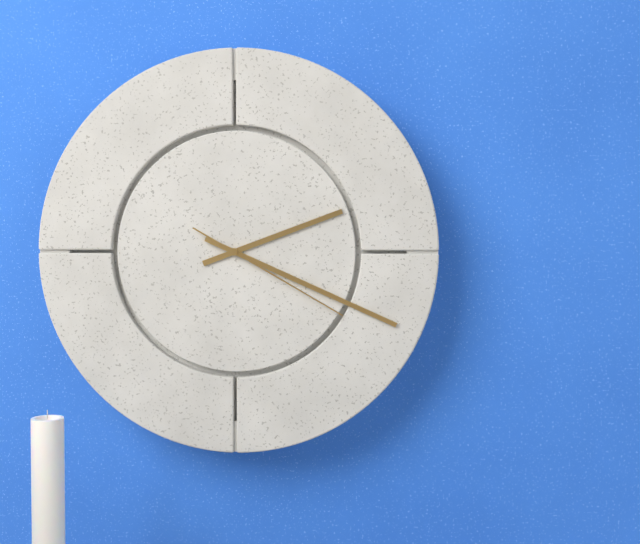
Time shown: h=2 m=19 s=20
